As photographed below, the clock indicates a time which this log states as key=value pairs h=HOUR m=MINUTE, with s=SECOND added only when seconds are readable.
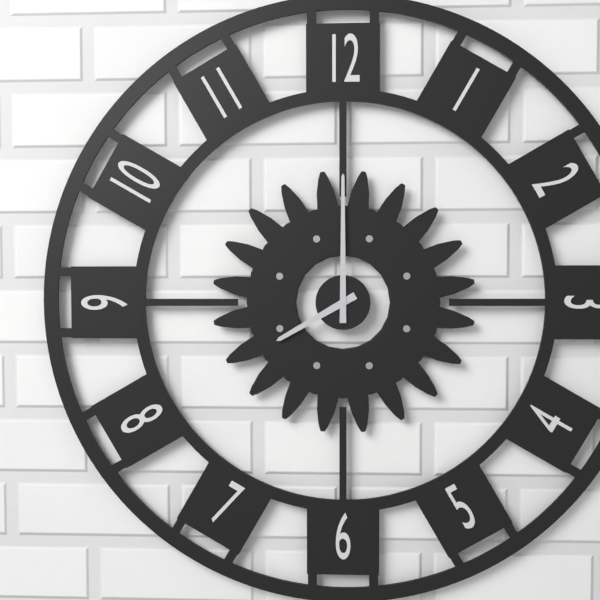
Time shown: h=8 m=0
